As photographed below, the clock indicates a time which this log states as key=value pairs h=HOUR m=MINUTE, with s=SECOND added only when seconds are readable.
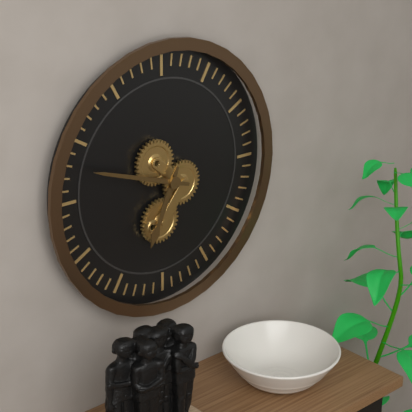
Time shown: h=6 m=48
